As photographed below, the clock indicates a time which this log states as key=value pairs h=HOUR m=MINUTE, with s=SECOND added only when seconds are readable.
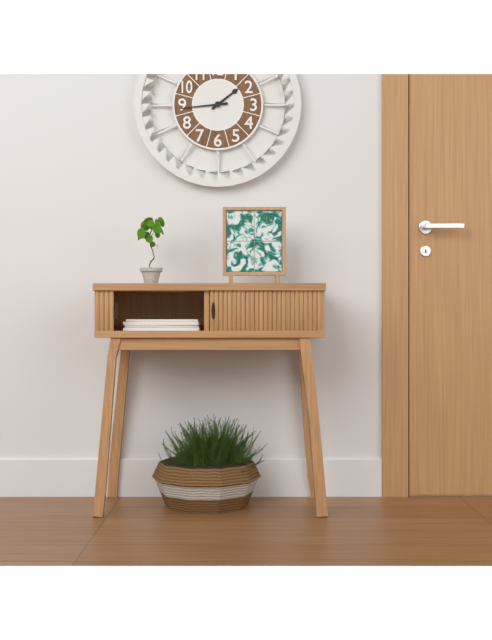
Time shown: h=1 m=44
